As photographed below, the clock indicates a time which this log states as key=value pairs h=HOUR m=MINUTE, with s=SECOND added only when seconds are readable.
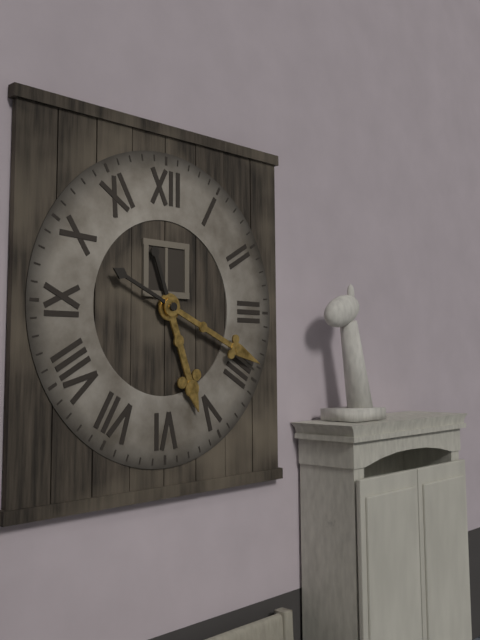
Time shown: h=5 m=19
